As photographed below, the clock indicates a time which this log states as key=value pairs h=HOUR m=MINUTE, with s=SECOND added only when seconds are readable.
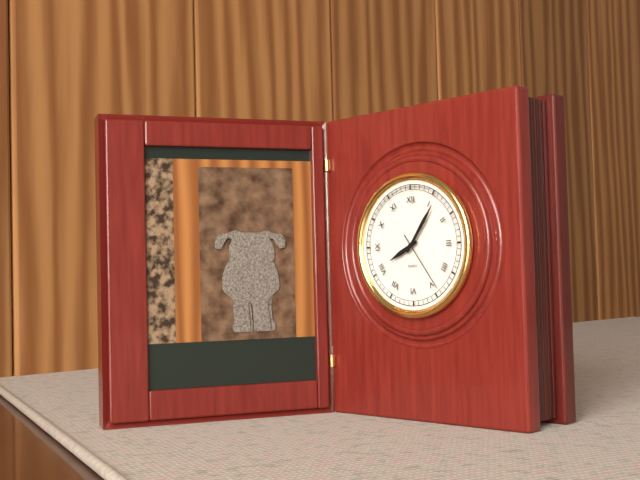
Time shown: h=8 m=6 s=24
